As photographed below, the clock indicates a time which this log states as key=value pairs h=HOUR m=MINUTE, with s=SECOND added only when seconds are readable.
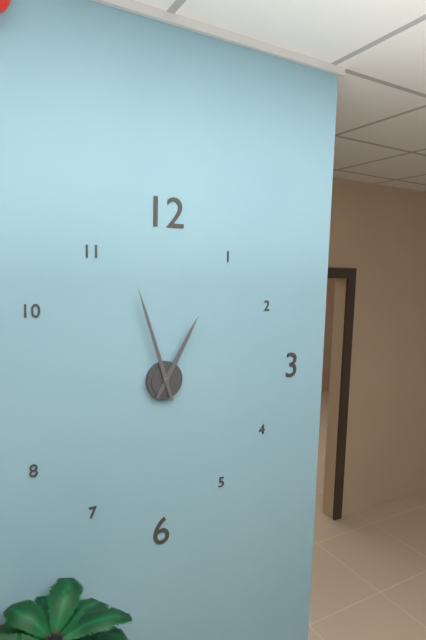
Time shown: h=12 m=57
